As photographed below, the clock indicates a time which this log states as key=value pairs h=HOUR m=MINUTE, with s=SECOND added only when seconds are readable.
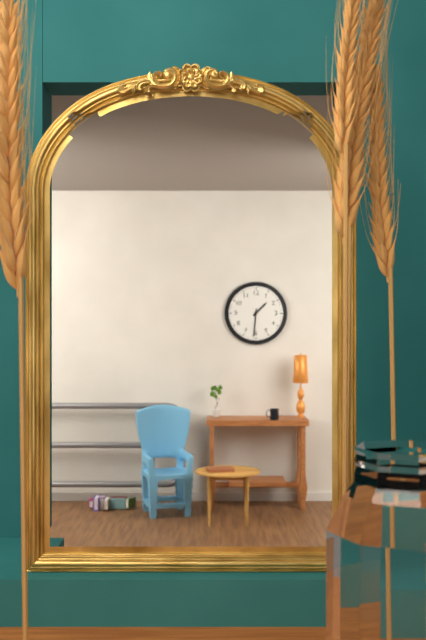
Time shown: h=1 m=31
